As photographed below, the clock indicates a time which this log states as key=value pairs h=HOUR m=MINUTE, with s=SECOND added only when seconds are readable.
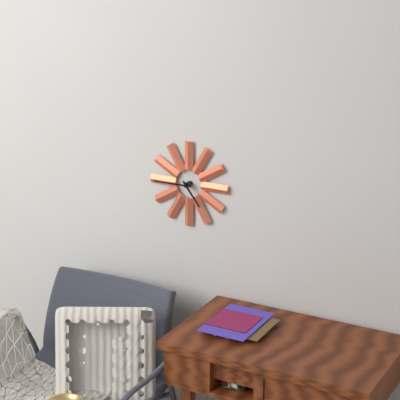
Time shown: h=4 m=45
